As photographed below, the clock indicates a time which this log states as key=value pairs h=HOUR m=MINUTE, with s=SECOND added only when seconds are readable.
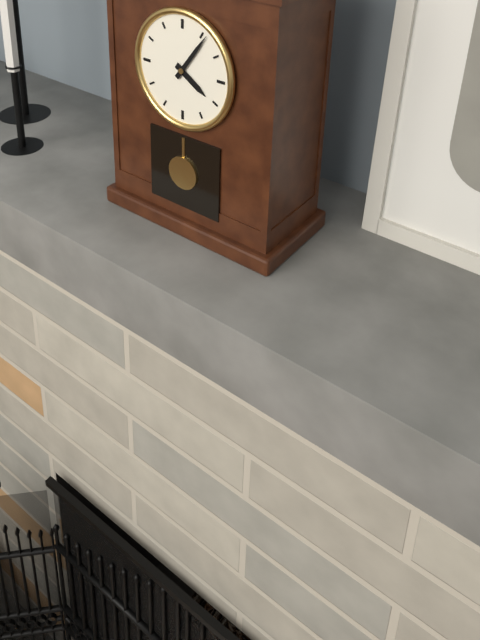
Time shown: h=4 m=6
